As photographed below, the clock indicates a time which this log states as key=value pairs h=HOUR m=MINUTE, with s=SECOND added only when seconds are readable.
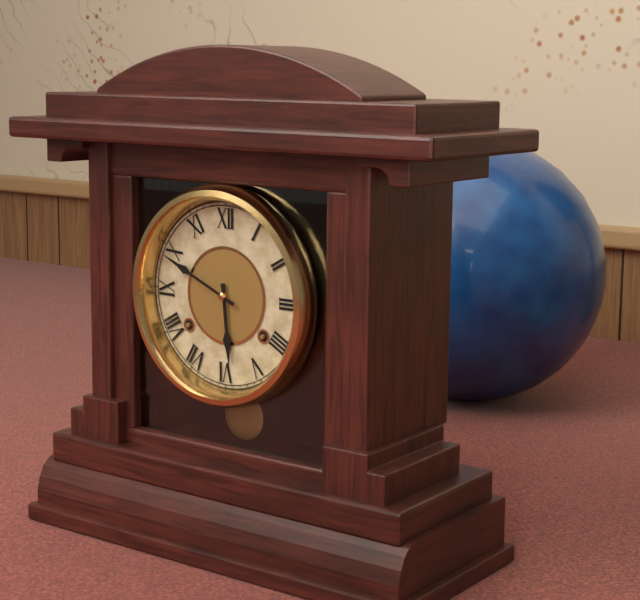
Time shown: h=5 m=49
